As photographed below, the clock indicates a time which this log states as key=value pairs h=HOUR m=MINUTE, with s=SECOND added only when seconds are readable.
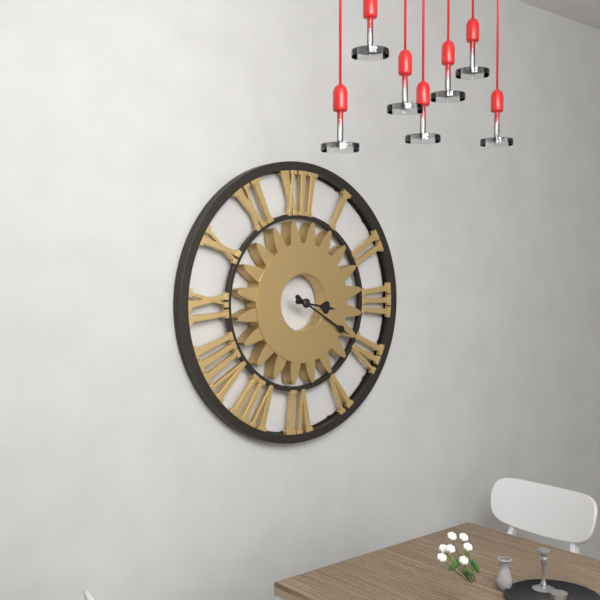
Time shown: h=3 m=20
